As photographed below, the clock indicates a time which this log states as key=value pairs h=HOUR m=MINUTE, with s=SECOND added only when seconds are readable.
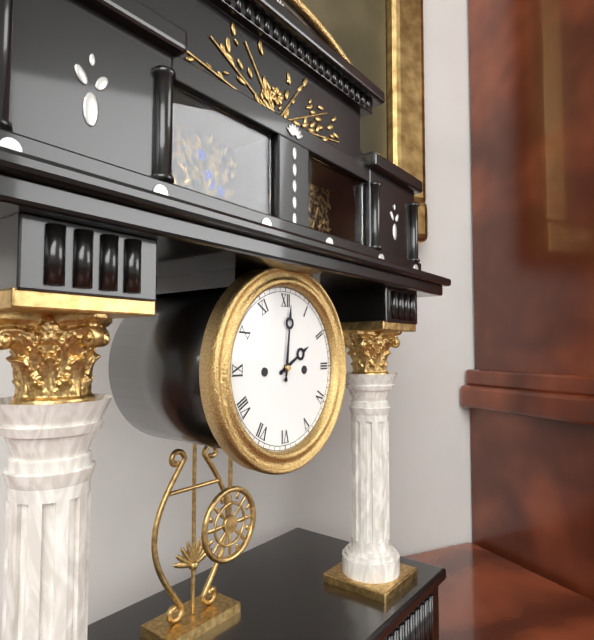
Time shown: h=2 m=1
